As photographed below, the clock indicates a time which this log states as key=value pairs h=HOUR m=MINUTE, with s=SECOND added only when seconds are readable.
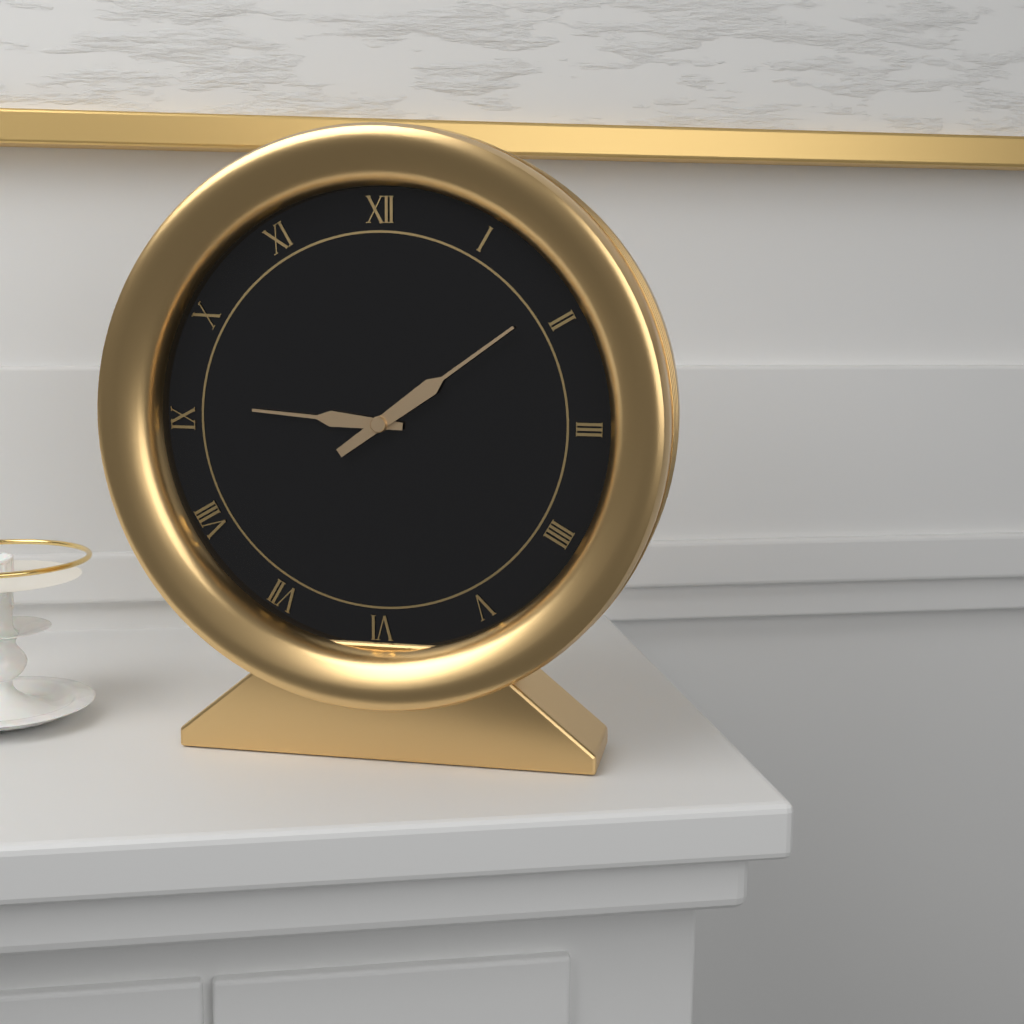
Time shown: h=9 m=9
